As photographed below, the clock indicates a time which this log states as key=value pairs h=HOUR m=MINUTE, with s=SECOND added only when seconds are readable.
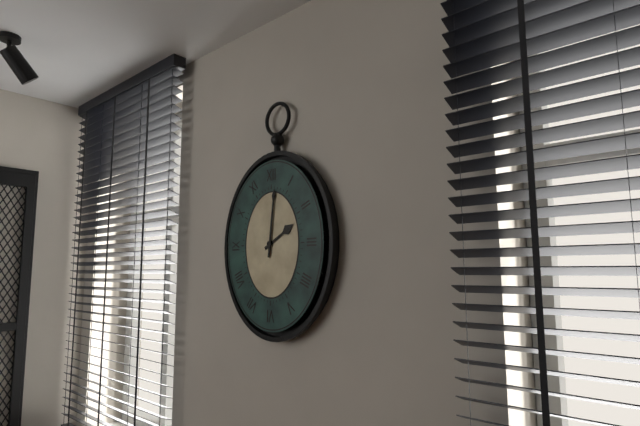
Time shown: h=2 m=1
